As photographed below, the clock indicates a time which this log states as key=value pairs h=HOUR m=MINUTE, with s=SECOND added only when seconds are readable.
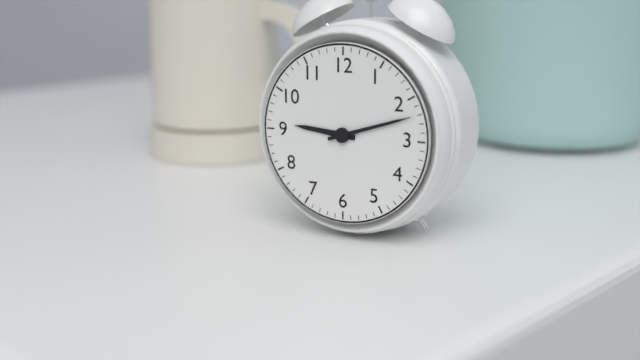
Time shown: h=9 m=12
